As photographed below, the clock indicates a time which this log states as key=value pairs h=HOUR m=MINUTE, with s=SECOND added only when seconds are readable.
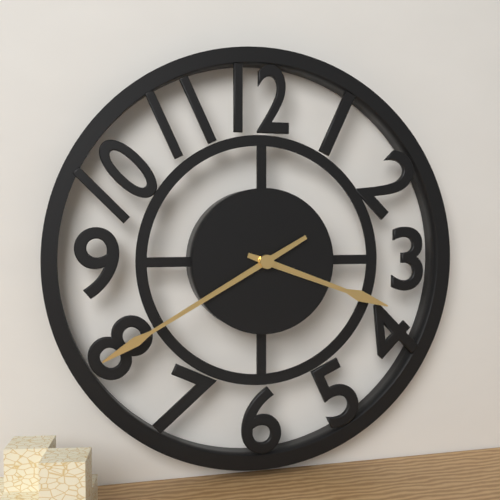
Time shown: h=3 m=40
